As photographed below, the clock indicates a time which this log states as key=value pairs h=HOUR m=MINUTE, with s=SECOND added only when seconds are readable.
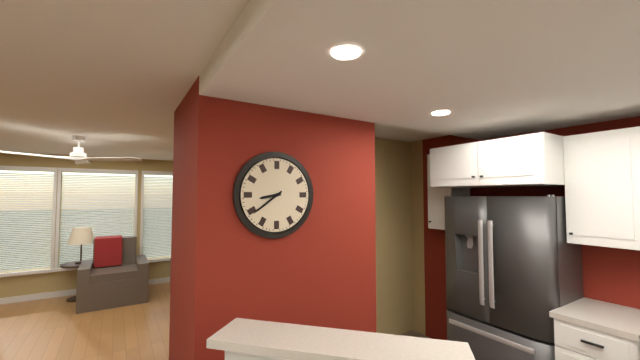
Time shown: h=8 m=39
